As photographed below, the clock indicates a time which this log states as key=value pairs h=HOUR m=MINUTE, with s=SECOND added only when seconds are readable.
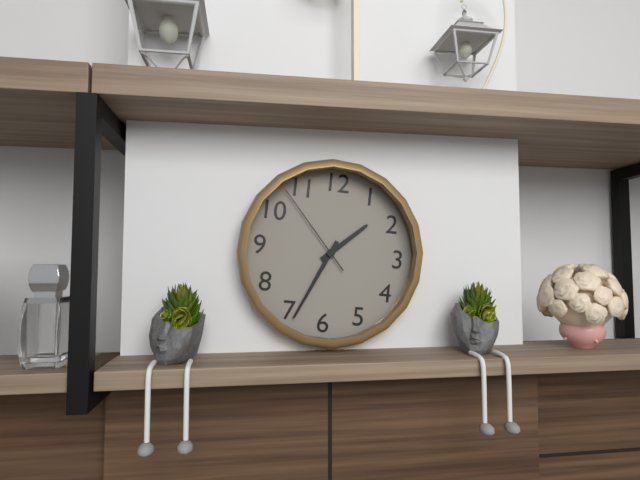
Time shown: h=1 m=34 s=53
